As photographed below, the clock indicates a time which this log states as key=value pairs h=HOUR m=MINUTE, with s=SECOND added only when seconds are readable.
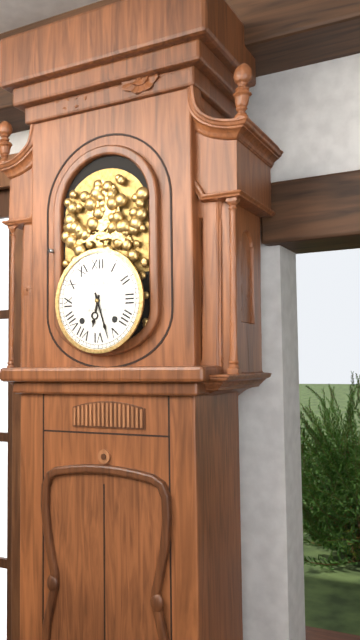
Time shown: h=6 m=27
